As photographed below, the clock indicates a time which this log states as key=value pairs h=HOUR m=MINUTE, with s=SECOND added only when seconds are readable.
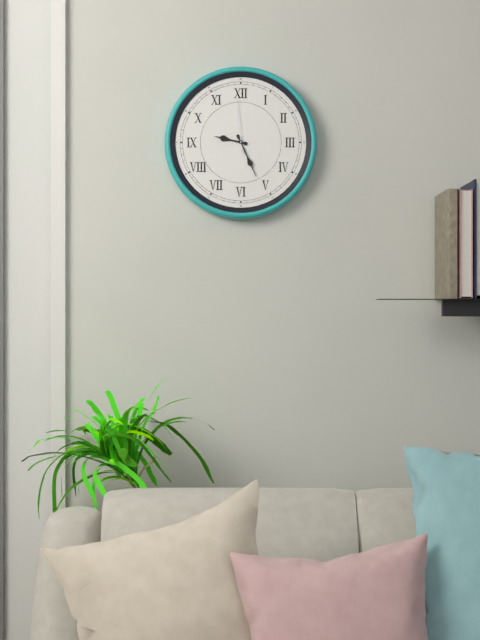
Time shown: h=9 m=26 s=59
